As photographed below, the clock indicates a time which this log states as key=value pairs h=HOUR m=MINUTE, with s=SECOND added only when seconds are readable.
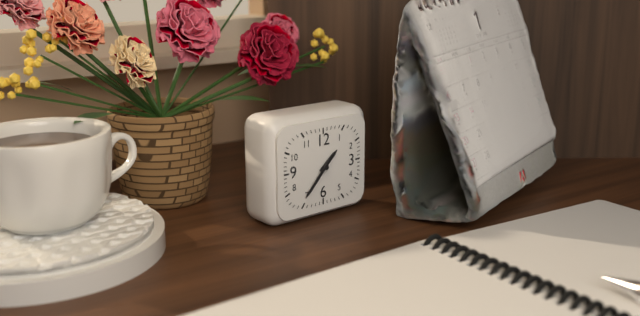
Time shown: h=1 m=37
